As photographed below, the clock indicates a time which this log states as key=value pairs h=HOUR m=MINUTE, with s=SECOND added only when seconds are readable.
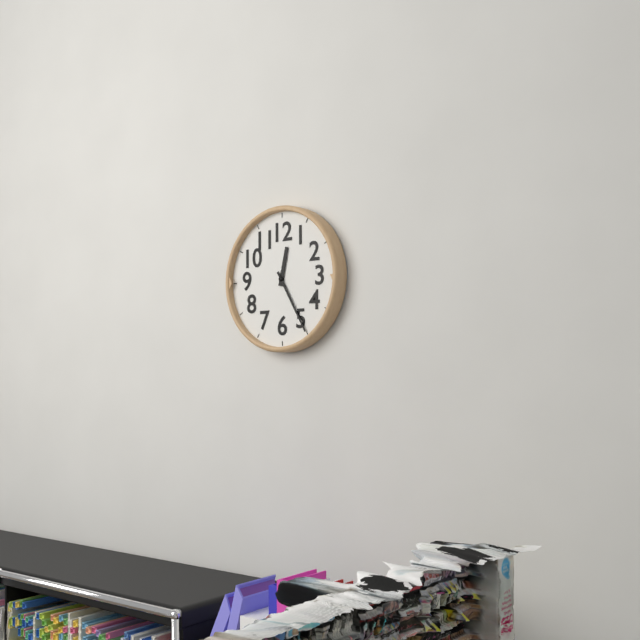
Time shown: h=12 m=25
